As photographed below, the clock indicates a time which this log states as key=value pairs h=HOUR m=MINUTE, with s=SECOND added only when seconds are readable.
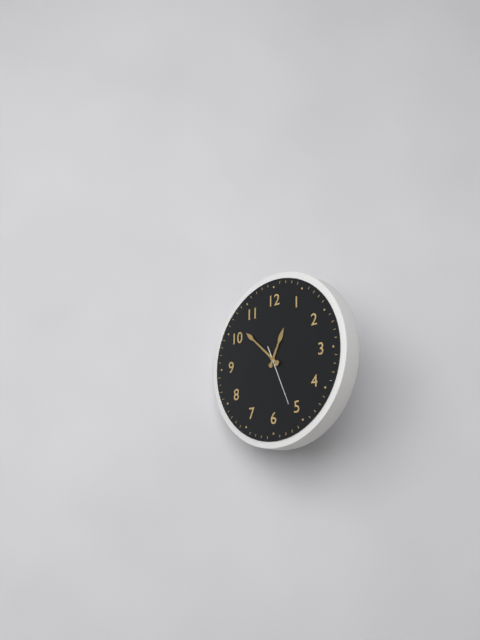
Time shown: h=12 m=52 s=26
